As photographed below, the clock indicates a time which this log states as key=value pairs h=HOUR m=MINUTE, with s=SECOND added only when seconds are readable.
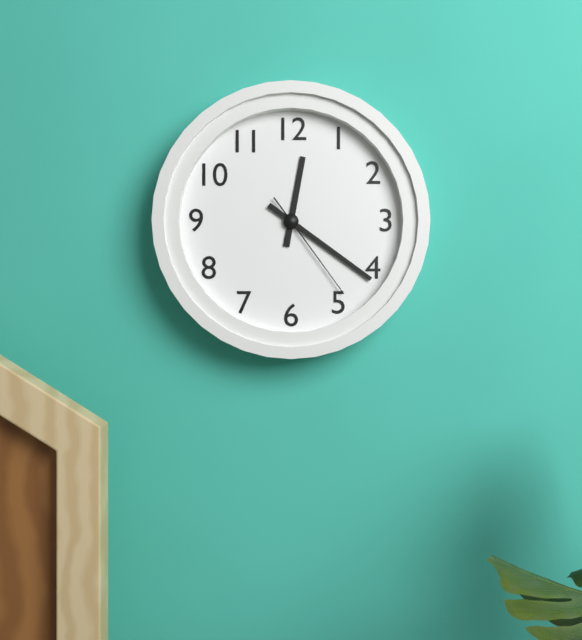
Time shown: h=12 m=21 s=24
